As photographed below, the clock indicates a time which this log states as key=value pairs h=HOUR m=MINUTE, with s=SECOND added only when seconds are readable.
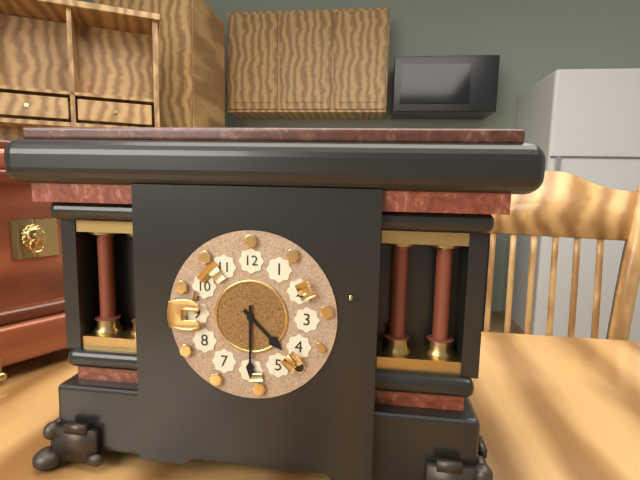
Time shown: h=4 m=30
